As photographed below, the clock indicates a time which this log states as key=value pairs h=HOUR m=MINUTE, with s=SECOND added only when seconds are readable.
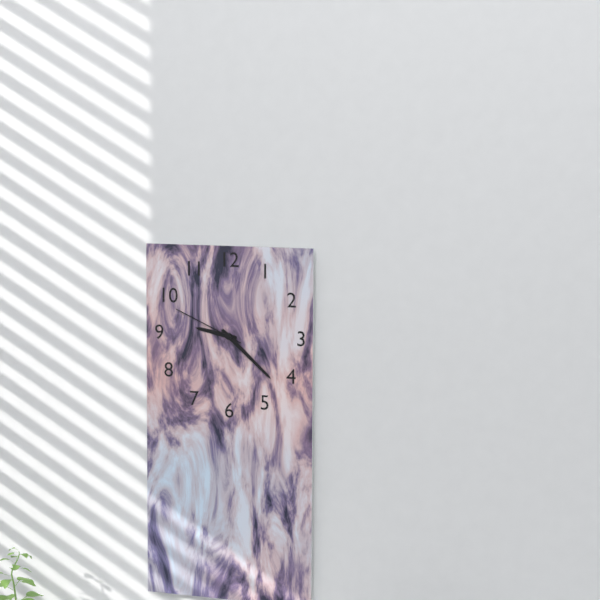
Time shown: h=9 m=22 s=49
